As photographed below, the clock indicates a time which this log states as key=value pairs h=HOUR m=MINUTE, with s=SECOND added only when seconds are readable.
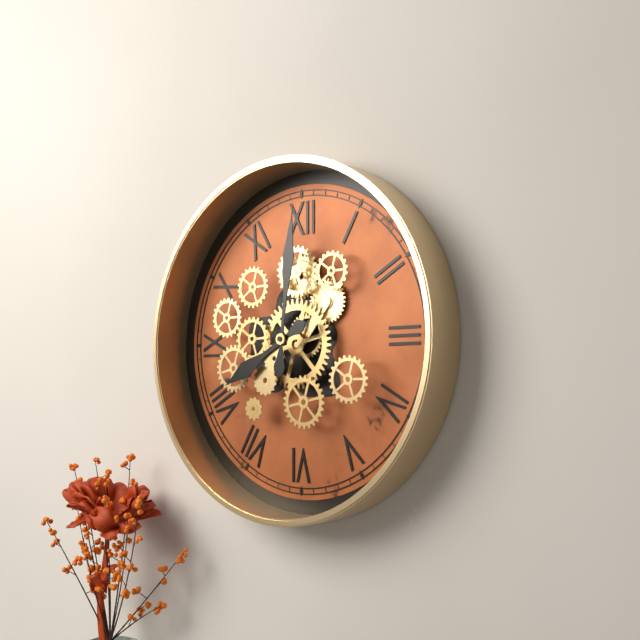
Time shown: h=8 m=1
